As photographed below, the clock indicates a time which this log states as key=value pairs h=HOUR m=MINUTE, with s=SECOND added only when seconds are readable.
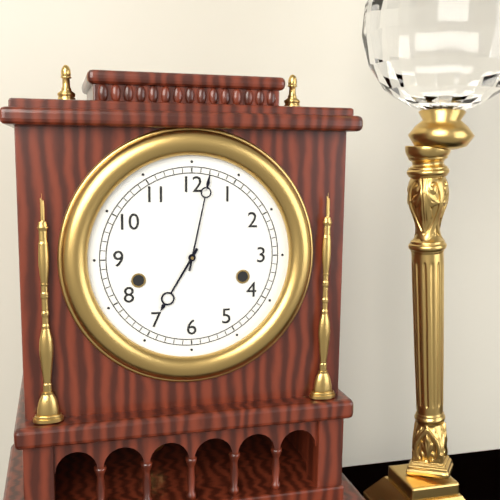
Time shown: h=7 m=2
